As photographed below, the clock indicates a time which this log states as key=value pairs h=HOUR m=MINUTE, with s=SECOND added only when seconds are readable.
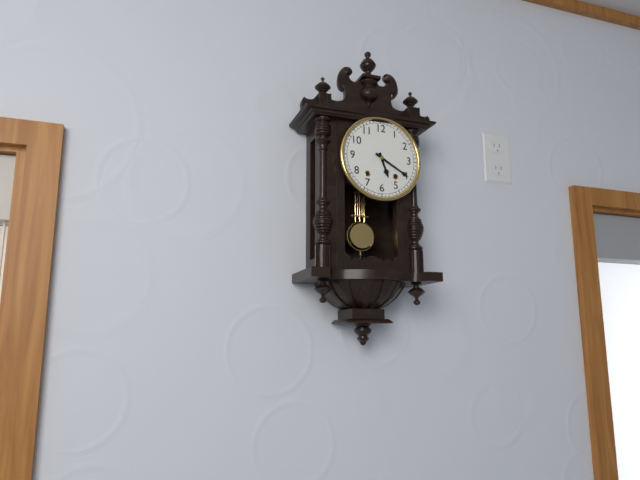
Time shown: h=5 m=20
